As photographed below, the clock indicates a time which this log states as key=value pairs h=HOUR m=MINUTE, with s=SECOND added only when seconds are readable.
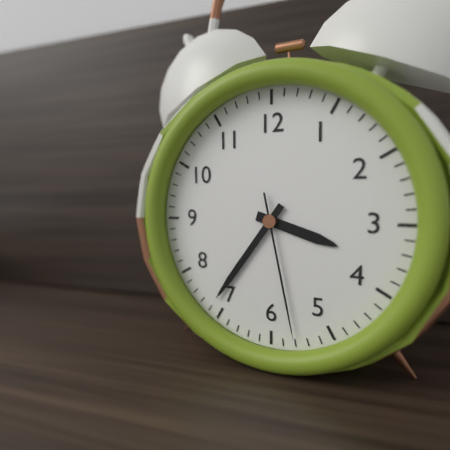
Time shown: h=3 m=36 s=28
